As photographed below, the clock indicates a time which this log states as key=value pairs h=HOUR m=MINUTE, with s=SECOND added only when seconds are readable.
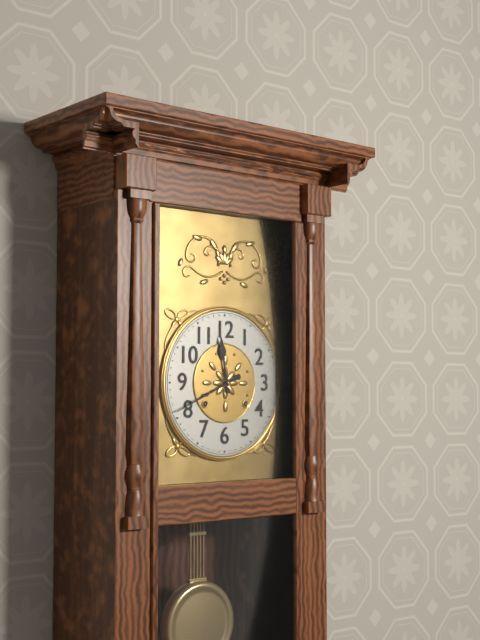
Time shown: h=11 m=41
